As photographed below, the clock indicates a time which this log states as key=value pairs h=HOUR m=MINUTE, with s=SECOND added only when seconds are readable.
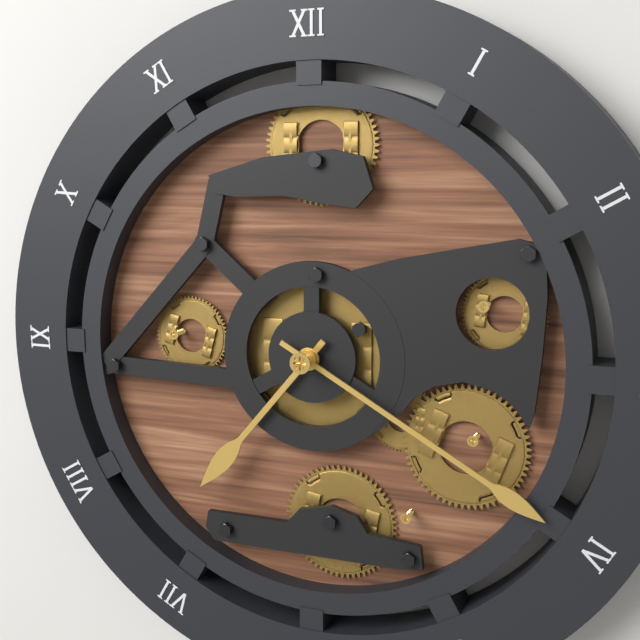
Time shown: h=7 m=20
